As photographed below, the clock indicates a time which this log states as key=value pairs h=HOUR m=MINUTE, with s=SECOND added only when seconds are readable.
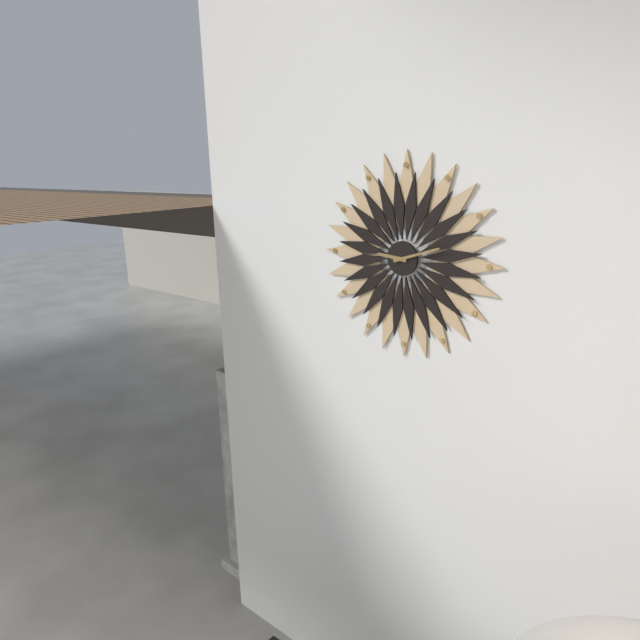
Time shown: h=9 m=12
